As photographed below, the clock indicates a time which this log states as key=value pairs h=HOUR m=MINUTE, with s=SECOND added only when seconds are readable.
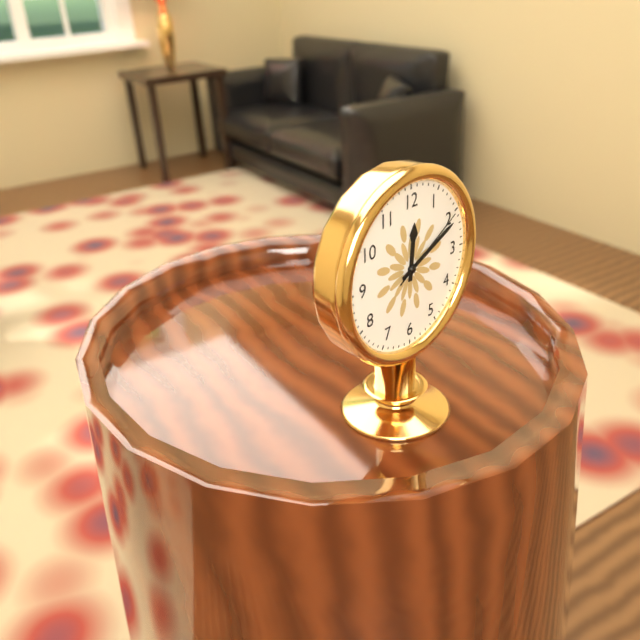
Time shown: h=12 m=11 s=10
